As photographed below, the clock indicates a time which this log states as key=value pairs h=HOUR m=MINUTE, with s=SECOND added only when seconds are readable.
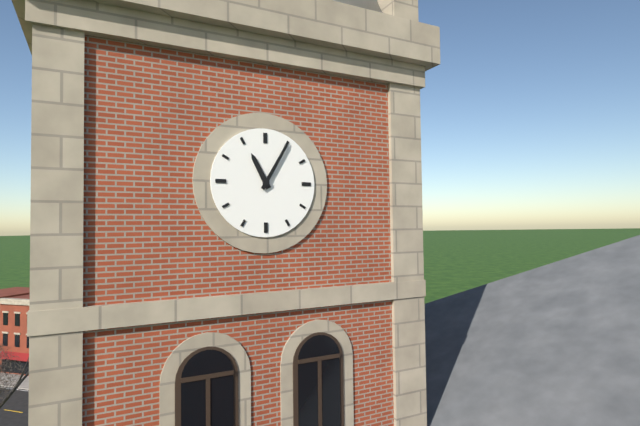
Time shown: h=11 m=5
